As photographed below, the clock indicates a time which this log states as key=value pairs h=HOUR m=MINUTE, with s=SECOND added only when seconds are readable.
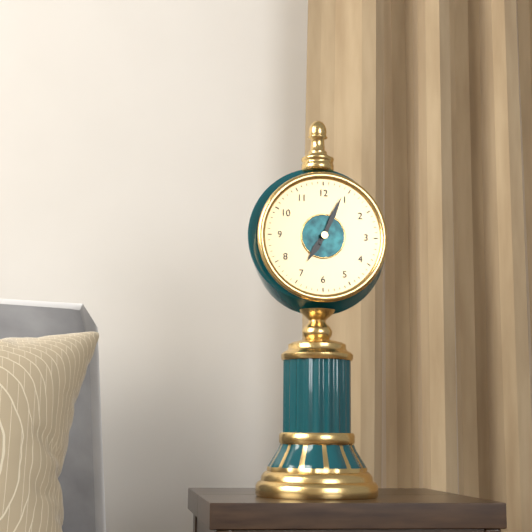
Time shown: h=7 m=4
